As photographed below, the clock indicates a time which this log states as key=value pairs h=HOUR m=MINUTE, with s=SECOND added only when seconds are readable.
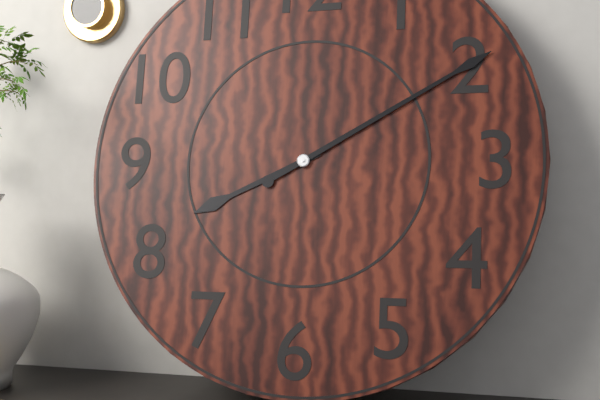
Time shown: h=8 m=10
